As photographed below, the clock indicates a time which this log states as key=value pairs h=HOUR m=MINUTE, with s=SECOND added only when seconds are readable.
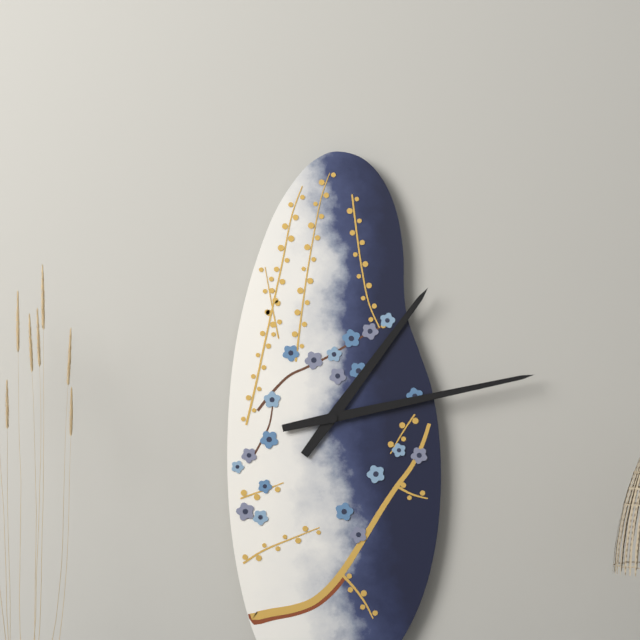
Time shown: h=1 m=13
